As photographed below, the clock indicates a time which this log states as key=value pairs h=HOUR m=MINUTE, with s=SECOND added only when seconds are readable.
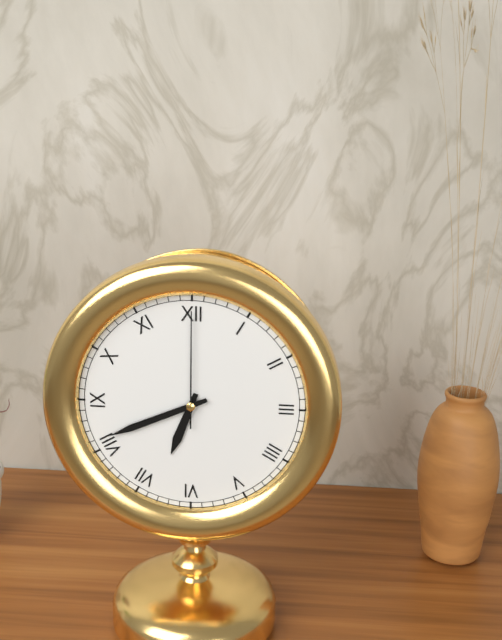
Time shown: h=6 m=41 s=0
